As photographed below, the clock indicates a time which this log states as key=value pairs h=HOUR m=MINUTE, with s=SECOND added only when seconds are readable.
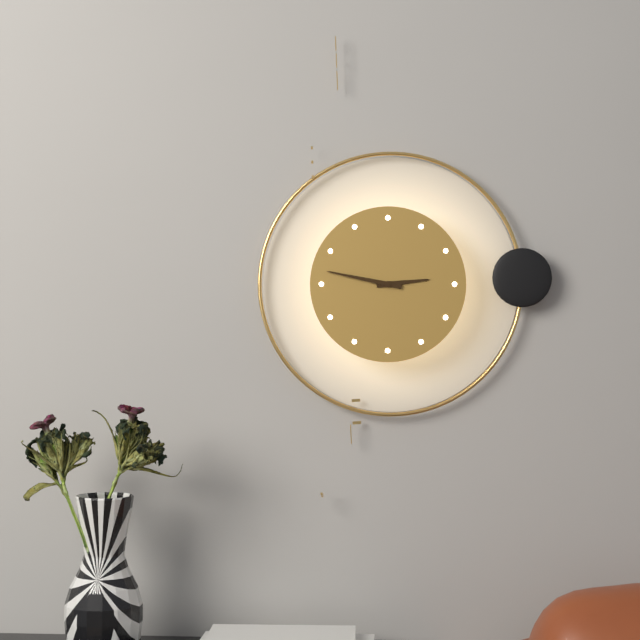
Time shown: h=2 m=47
